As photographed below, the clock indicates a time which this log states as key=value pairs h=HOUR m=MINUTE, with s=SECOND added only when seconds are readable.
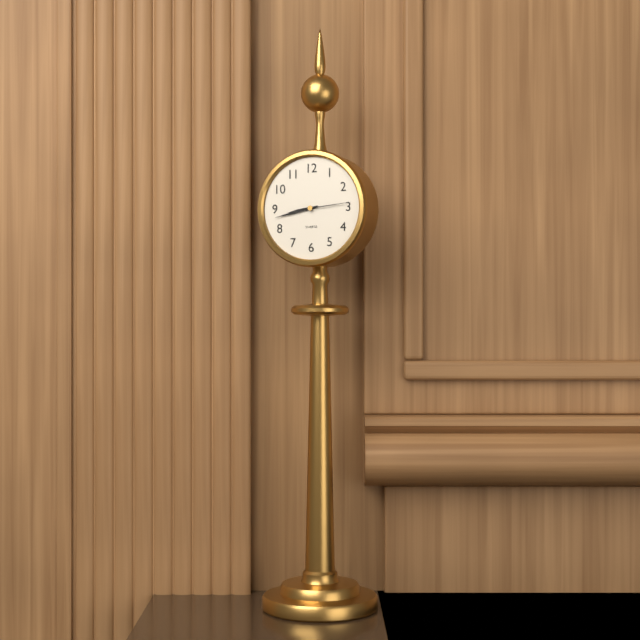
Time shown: h=8 m=43 s=14
